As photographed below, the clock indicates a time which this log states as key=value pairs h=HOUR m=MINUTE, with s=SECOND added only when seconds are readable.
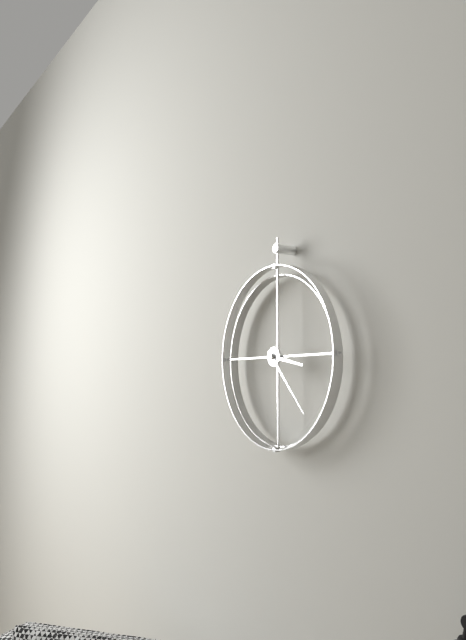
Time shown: h=3 m=23
